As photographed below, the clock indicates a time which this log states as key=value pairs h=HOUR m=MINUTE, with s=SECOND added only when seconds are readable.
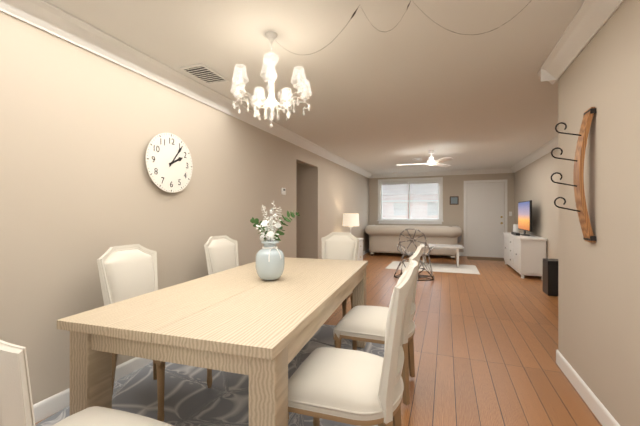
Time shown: h=2 m=6
